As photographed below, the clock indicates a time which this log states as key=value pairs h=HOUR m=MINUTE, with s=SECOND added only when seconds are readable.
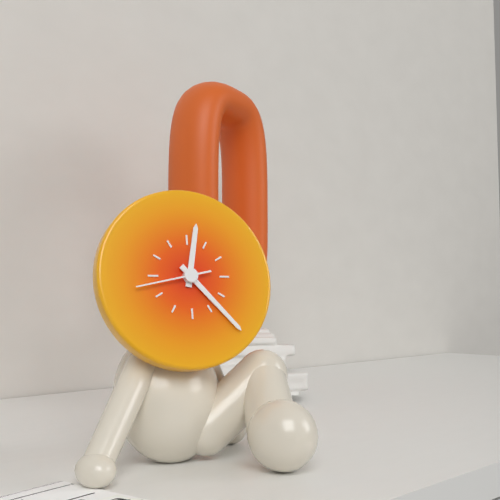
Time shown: h=12 m=23 s=43
